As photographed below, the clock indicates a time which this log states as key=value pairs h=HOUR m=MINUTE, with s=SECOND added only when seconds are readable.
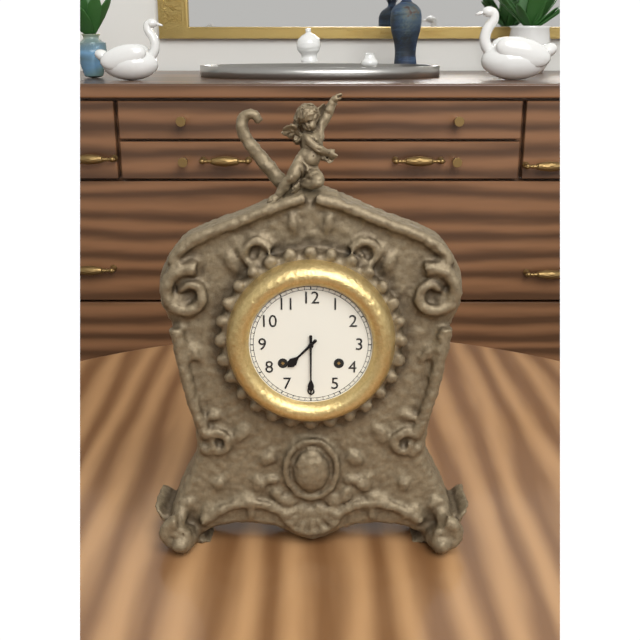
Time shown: h=7 m=30
